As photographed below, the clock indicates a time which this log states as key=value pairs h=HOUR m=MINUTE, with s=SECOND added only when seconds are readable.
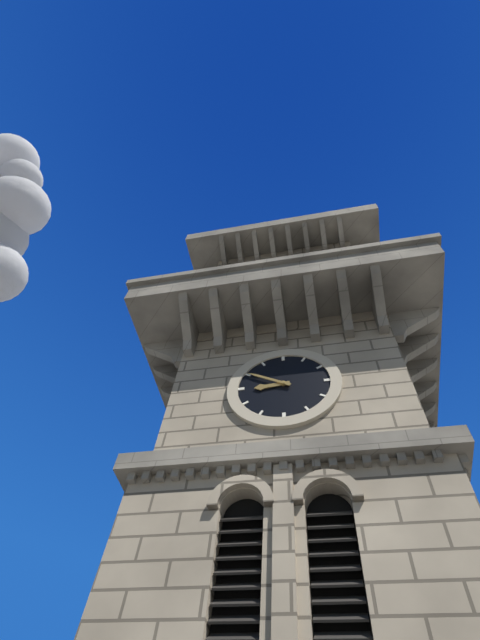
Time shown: h=8 m=50
